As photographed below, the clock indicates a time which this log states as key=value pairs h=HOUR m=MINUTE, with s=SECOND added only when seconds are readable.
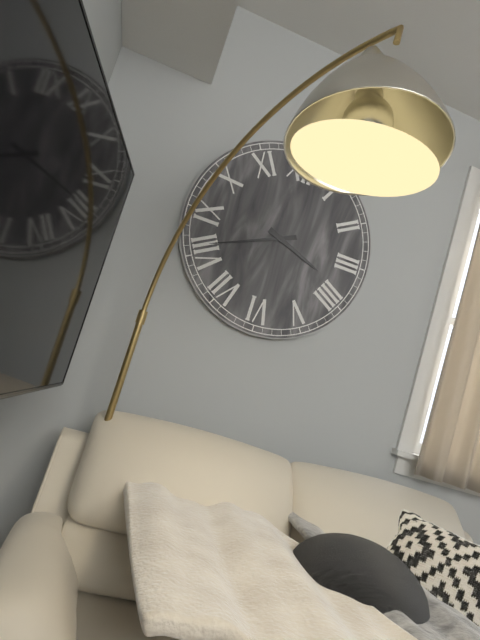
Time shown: h=3 m=41
